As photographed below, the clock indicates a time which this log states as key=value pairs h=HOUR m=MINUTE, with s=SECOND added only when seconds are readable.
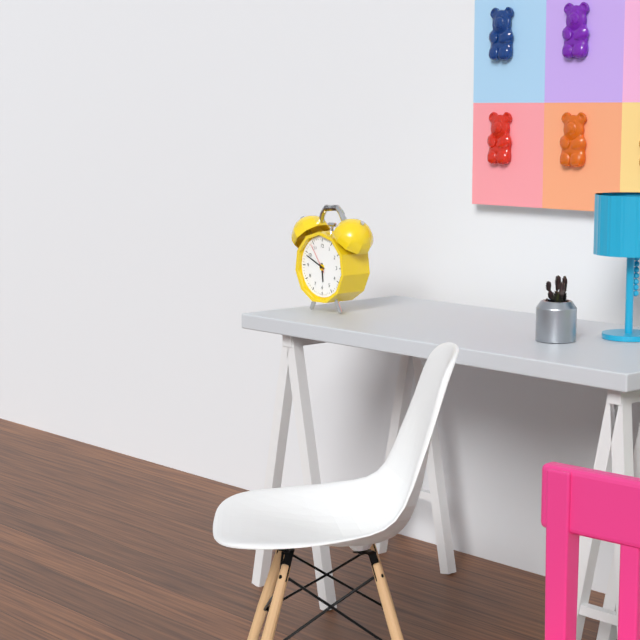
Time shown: h=5 m=49
